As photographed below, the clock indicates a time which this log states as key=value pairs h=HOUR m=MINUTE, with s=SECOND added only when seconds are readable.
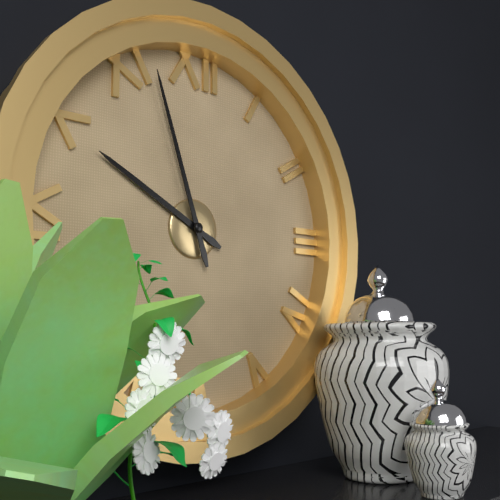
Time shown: h=9 m=57
